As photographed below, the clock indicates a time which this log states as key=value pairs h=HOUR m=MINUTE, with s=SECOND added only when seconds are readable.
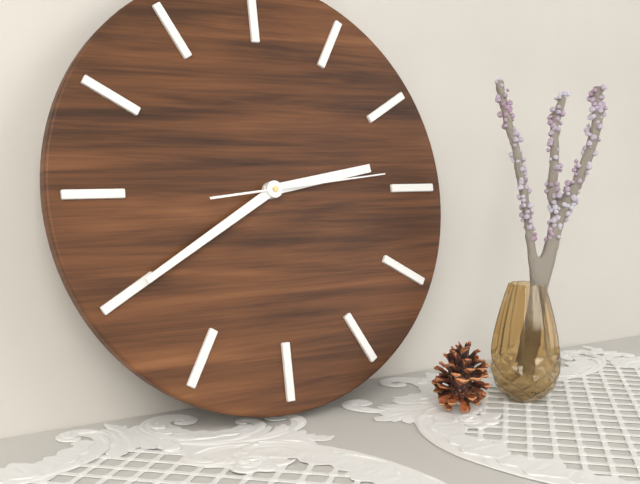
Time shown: h=2 m=40 s=14
